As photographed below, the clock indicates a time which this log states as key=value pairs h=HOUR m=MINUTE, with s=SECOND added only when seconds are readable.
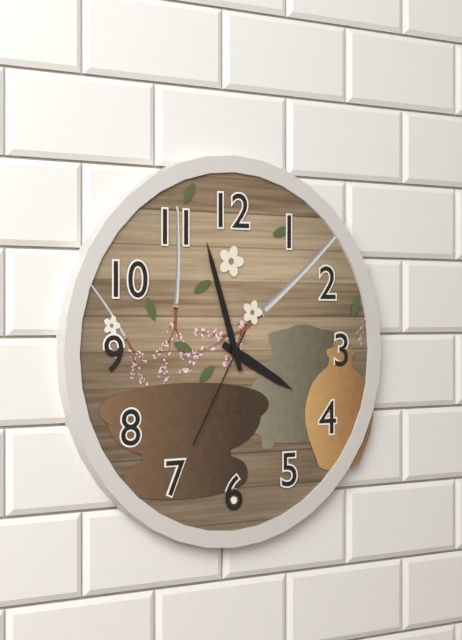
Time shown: h=3 m=57 s=35
